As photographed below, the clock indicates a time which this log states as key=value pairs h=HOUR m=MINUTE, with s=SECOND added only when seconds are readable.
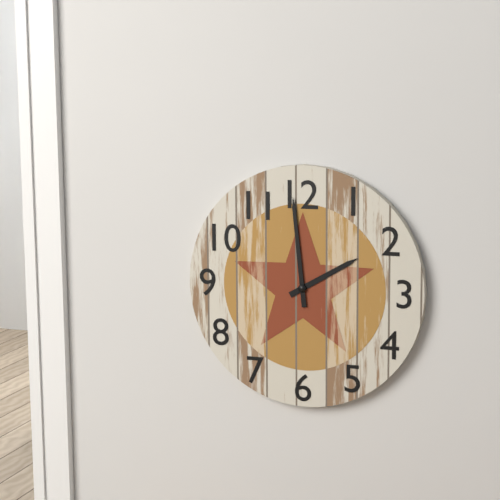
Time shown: h=1 m=59
